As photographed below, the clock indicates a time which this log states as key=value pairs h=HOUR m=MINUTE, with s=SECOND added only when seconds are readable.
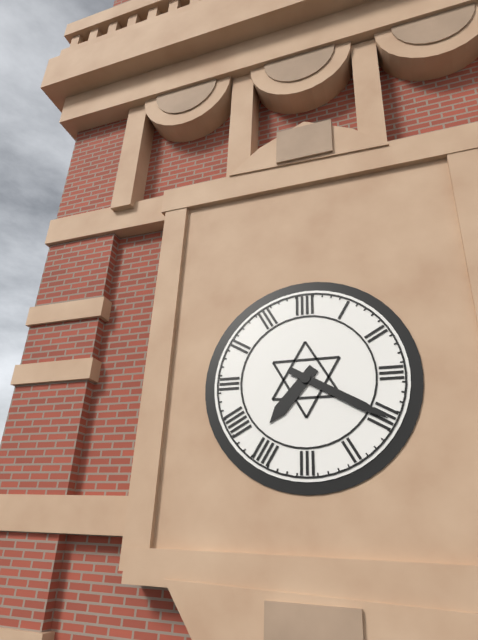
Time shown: h=7 m=20
